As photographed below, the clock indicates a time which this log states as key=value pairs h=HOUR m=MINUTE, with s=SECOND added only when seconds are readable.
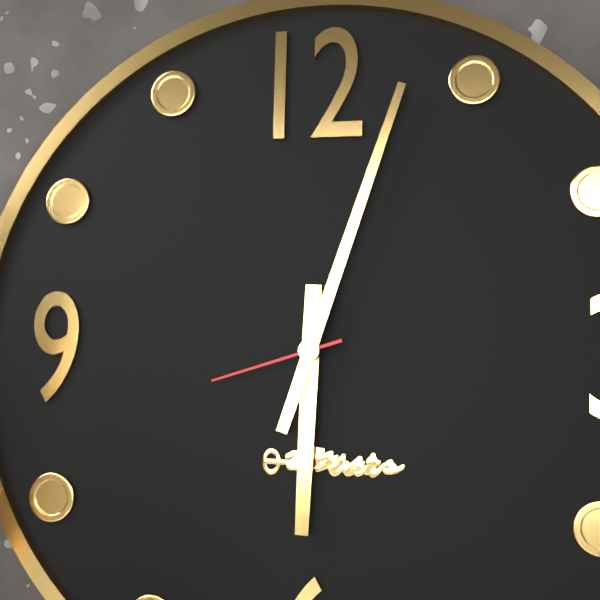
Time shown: h=6 m=3 s=42
